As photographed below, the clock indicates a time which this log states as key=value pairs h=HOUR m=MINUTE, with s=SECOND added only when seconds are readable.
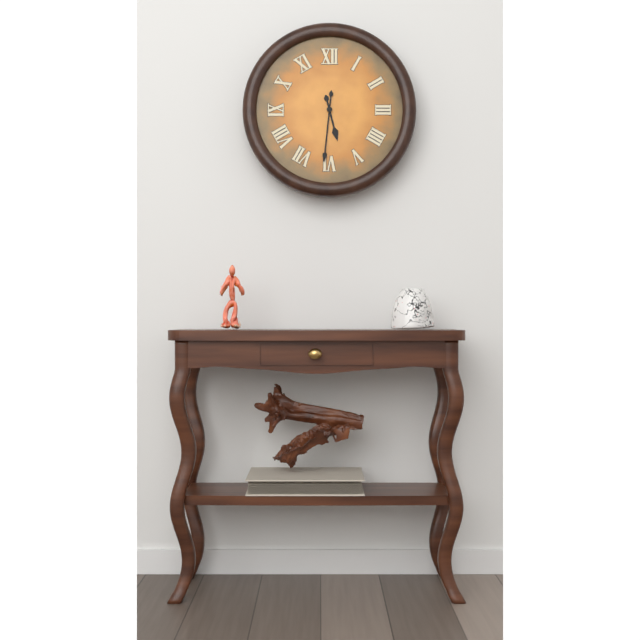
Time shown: h=5 m=31
